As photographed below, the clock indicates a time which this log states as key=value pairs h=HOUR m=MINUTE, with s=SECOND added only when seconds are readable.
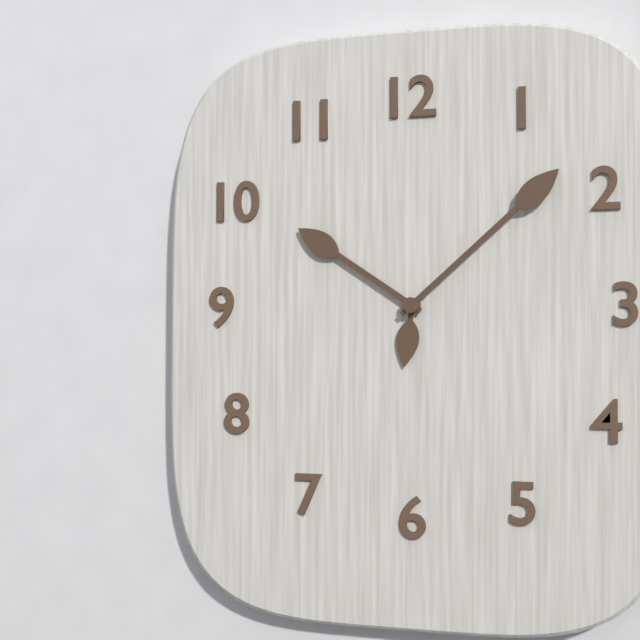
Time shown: h=10 m=8
